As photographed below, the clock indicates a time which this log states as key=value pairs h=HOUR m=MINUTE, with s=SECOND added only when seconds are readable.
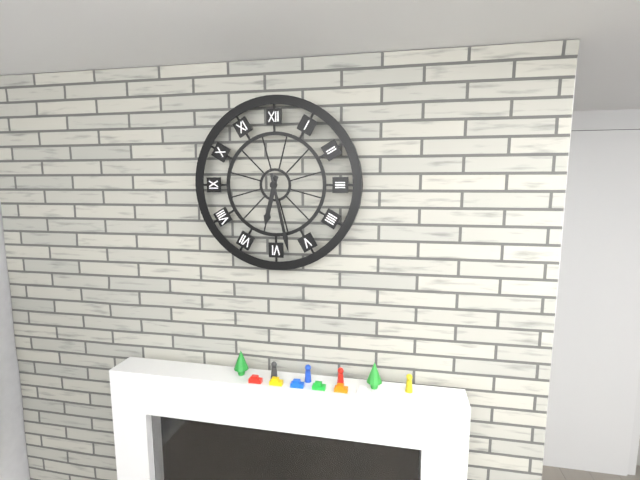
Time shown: h=6 m=28
